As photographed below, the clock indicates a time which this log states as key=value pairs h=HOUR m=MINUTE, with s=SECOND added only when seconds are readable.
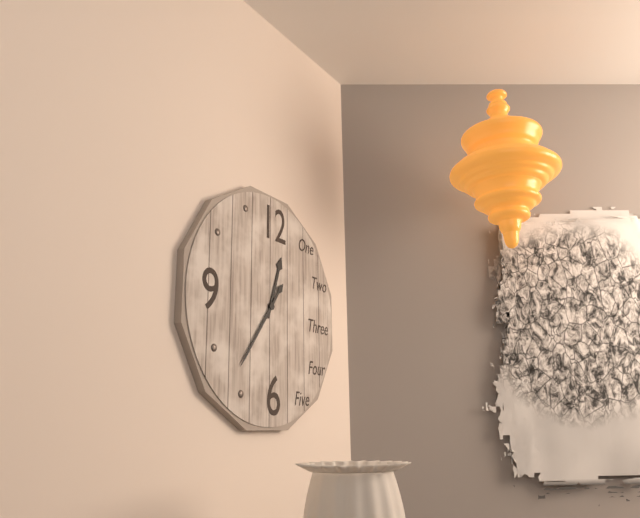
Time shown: h=12 m=36
